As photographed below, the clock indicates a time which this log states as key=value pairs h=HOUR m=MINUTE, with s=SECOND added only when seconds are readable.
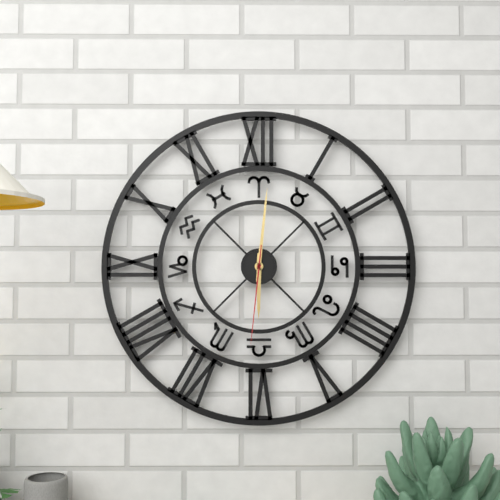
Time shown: h=6 m=1 s=31
